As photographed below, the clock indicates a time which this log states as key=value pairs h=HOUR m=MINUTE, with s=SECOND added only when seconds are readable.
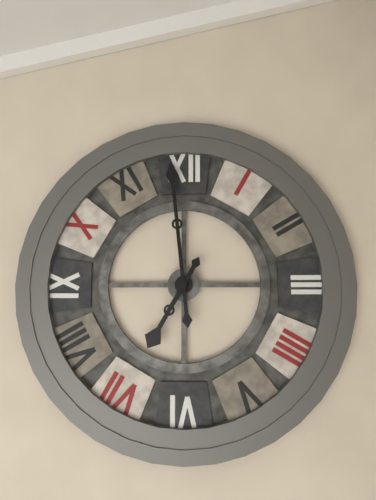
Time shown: h=6 m=59
